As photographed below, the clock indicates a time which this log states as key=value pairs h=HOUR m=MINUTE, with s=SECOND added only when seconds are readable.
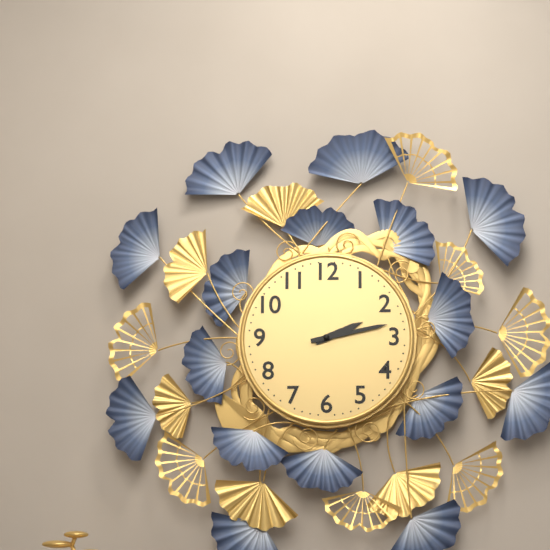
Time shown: h=2 m=13
